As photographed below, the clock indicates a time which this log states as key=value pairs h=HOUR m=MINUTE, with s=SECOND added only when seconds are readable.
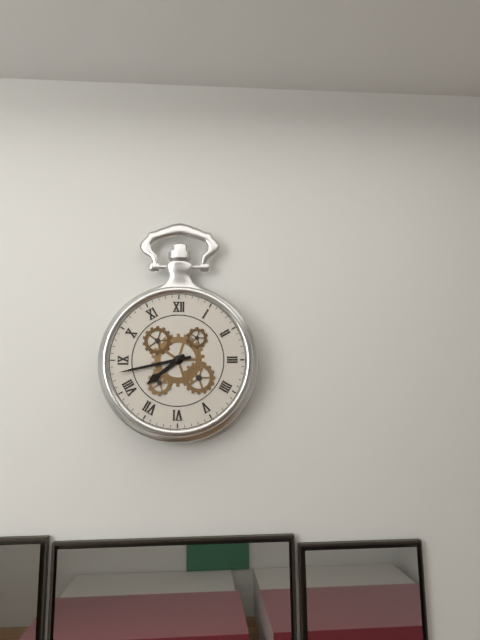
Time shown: h=7 m=43
